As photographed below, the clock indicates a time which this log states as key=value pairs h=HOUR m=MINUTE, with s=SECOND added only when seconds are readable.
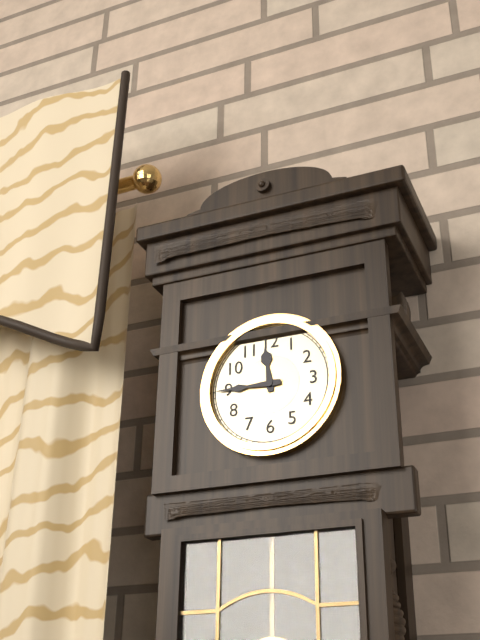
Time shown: h=11 m=45
